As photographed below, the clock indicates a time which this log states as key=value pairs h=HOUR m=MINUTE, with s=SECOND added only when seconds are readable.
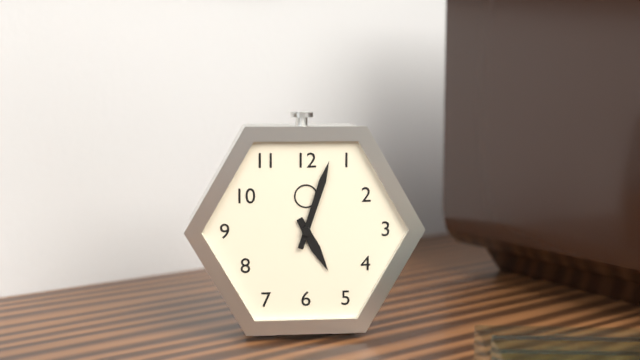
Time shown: h=5 m=3
